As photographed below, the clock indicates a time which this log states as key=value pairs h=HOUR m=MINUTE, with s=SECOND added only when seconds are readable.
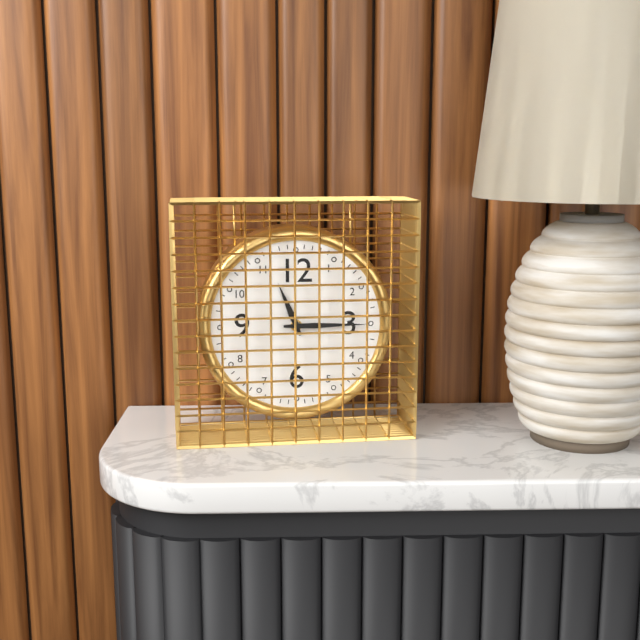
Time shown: h=11 m=15
